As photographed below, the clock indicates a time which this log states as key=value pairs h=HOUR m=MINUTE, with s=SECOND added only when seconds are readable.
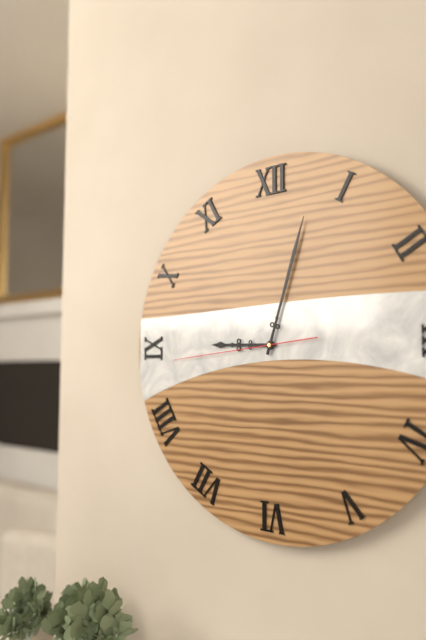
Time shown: h=9 m=3 s=44
